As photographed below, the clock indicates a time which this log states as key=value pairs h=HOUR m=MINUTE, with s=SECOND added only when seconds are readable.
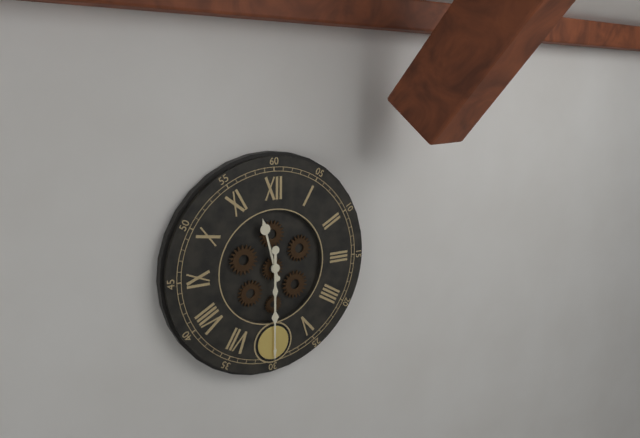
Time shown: h=11 m=30
